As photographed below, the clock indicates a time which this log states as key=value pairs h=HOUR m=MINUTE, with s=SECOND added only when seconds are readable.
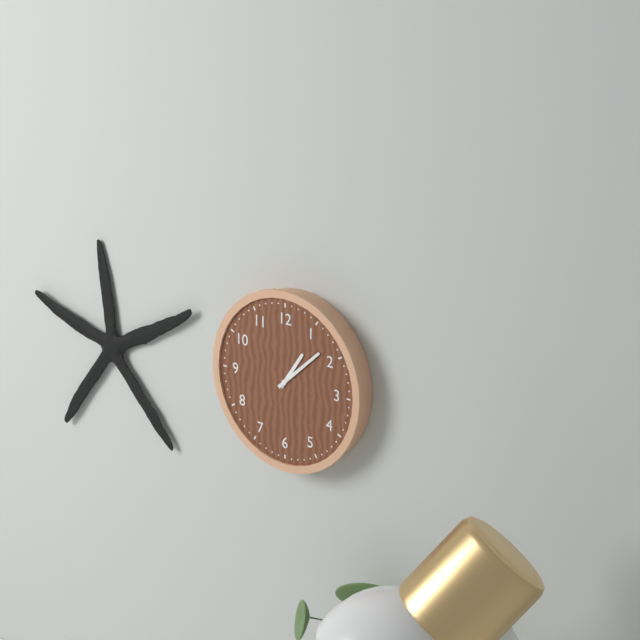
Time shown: h=1 m=8
